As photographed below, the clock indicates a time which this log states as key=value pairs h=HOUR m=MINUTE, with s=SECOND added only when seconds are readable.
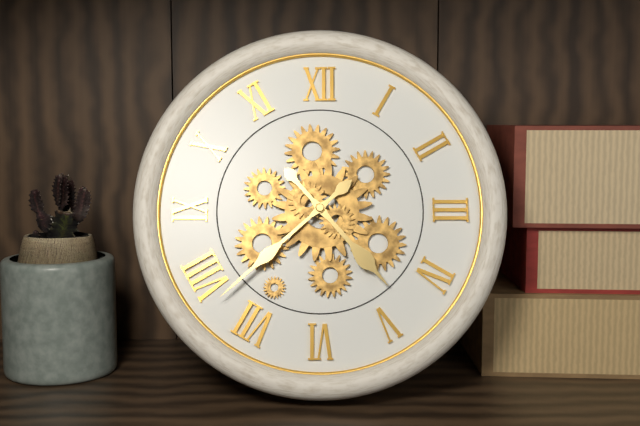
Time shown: h=4 m=38
